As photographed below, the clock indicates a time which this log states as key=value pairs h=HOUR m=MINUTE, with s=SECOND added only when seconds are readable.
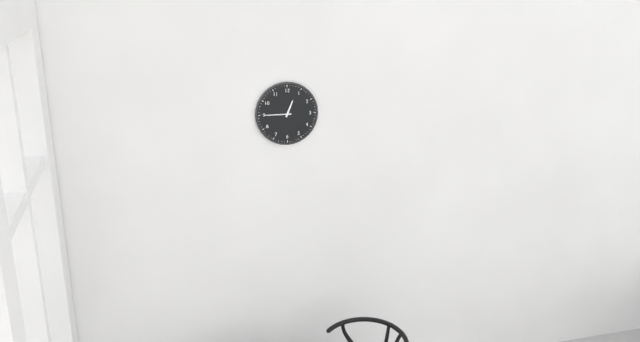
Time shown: h=12 m=45
